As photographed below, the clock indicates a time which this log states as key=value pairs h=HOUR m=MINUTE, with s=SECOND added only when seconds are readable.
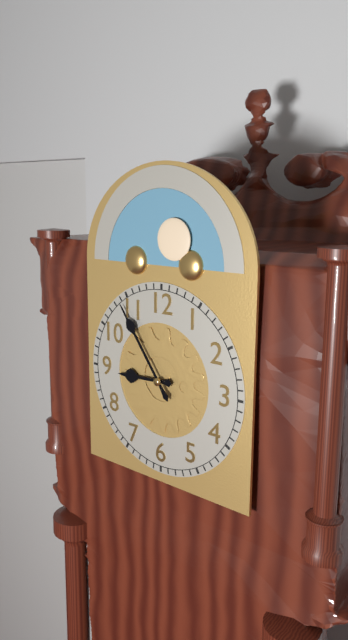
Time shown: h=8 m=54
